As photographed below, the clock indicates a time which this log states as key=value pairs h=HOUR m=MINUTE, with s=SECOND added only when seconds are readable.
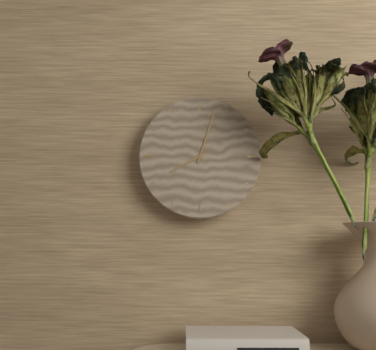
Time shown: h=8 m=3
